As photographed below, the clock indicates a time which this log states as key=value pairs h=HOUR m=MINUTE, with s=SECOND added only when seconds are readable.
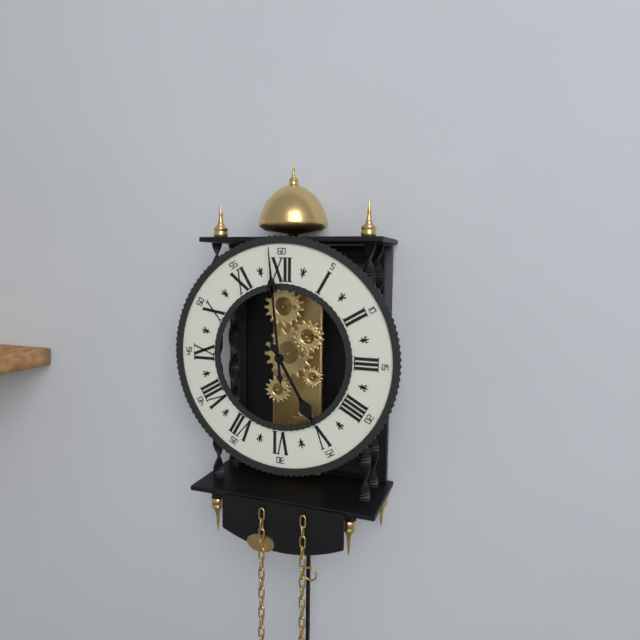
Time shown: h=4 m=59
